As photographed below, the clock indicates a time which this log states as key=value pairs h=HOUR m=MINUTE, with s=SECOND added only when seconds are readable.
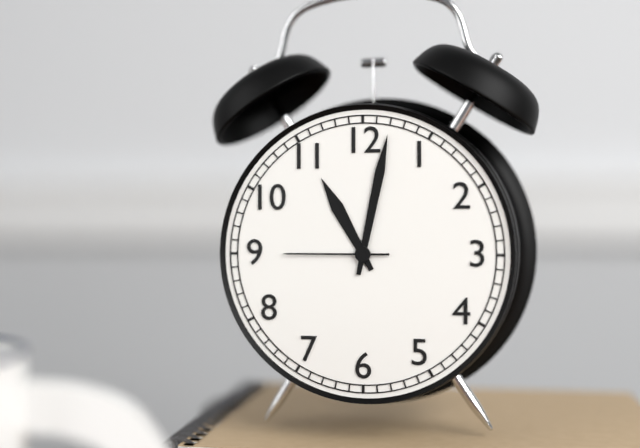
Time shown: h=11 m=2 s=45
